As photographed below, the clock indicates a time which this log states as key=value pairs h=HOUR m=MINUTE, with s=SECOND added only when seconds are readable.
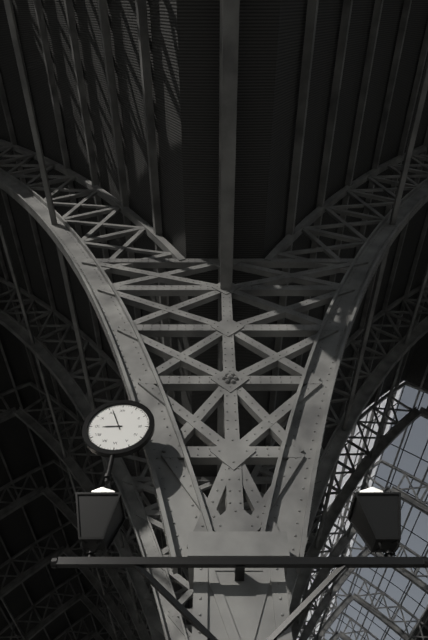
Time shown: h=8 m=56
